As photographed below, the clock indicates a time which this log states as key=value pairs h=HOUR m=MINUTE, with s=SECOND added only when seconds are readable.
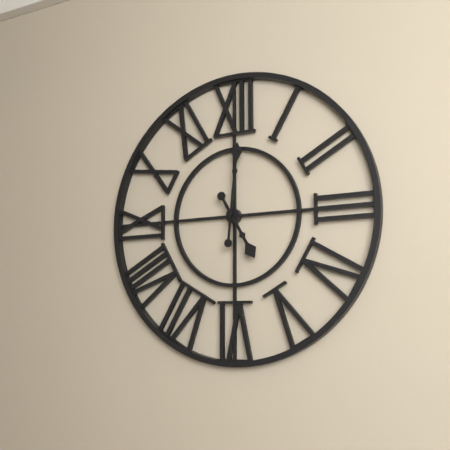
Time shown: h=5 m=1
